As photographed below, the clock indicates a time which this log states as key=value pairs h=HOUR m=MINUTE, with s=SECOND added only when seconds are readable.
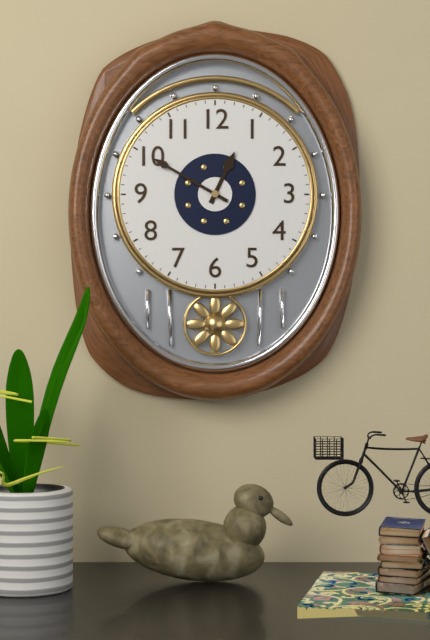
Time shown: h=12 m=50
